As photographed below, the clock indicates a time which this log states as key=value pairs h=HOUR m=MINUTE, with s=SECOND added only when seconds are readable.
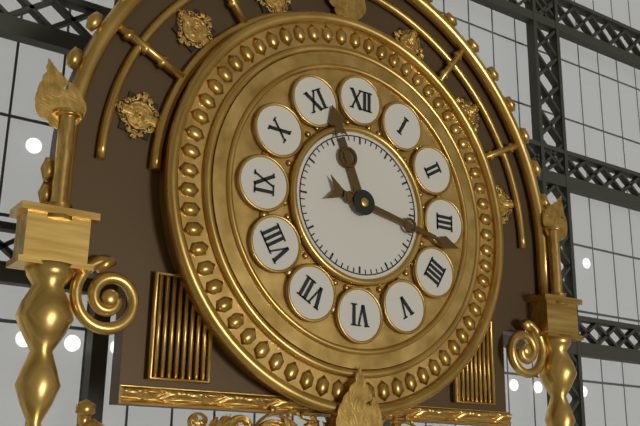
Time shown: h=11 m=17
